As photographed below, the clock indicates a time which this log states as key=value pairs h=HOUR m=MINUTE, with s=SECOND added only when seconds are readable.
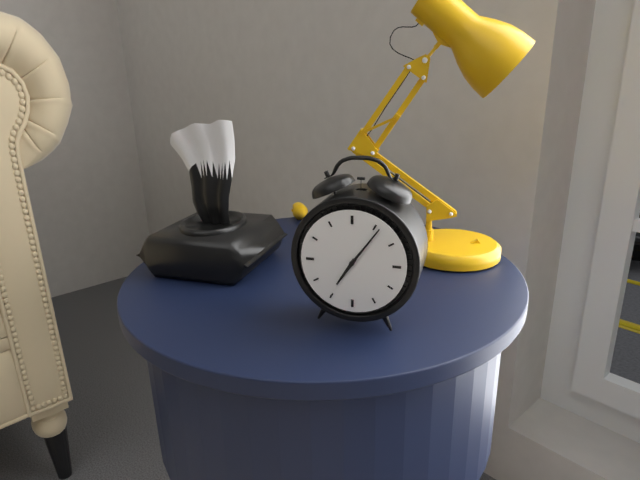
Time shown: h=7 m=6
